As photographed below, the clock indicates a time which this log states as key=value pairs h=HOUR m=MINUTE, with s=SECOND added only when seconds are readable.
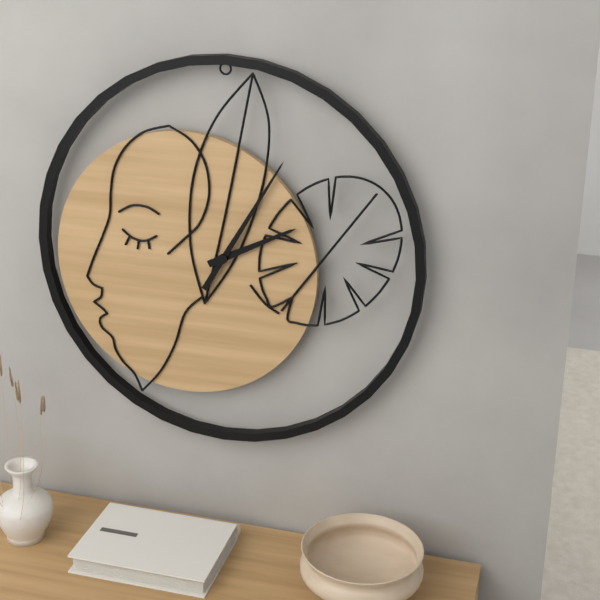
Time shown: h=2 m=5
